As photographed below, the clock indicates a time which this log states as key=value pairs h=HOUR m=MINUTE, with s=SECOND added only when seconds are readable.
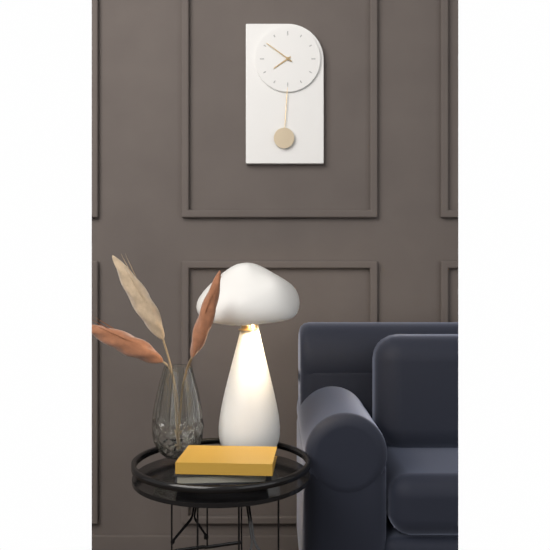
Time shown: h=7 m=51
